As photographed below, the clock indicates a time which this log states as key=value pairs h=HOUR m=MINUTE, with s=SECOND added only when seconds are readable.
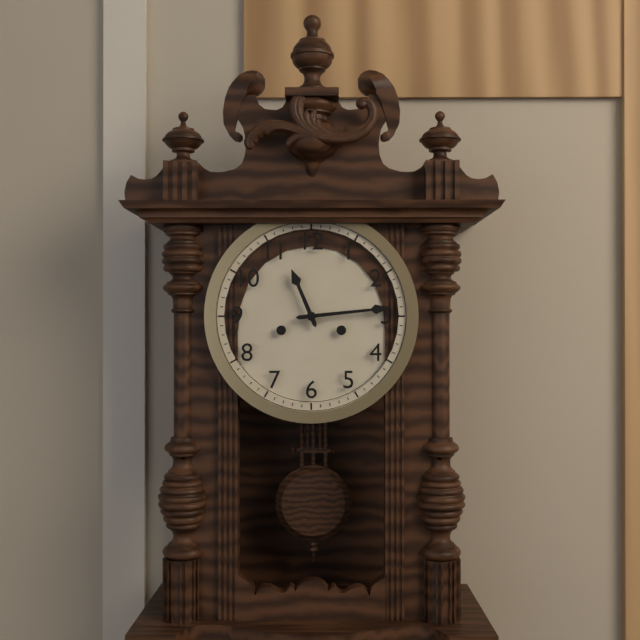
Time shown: h=11 m=14
